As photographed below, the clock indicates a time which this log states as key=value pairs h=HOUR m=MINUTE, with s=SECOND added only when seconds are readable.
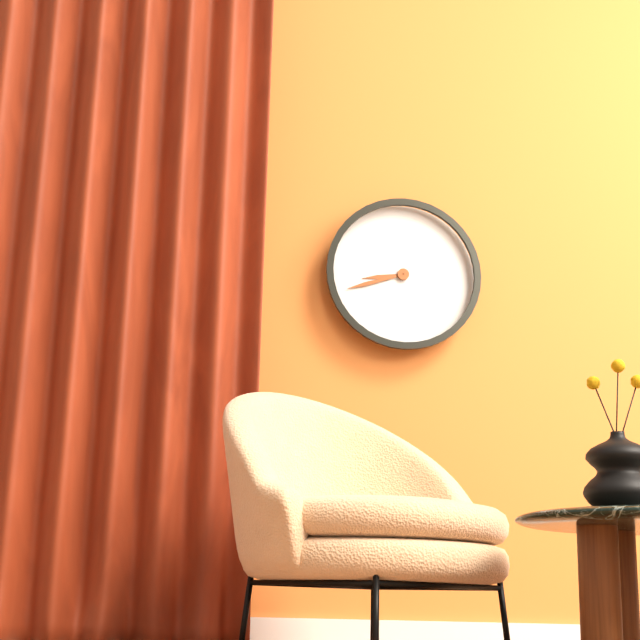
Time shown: h=8 m=42
